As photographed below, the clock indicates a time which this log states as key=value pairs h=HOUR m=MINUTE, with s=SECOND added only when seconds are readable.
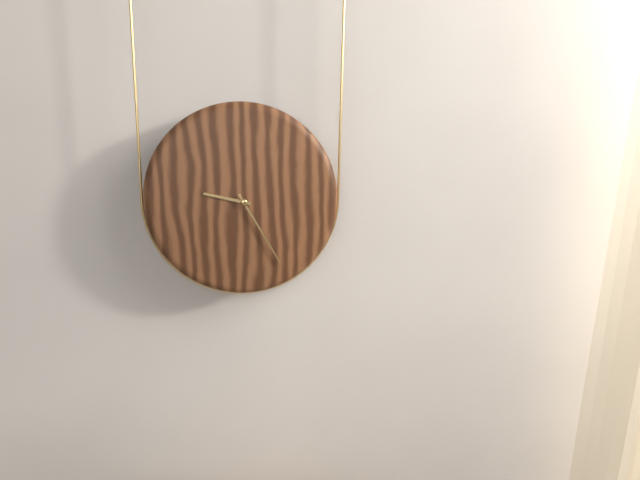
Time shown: h=9 m=25
